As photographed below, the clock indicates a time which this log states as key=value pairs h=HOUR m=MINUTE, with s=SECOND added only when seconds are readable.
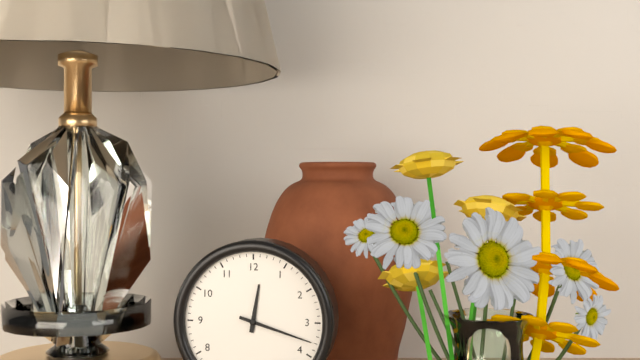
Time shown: h=12 m=18
